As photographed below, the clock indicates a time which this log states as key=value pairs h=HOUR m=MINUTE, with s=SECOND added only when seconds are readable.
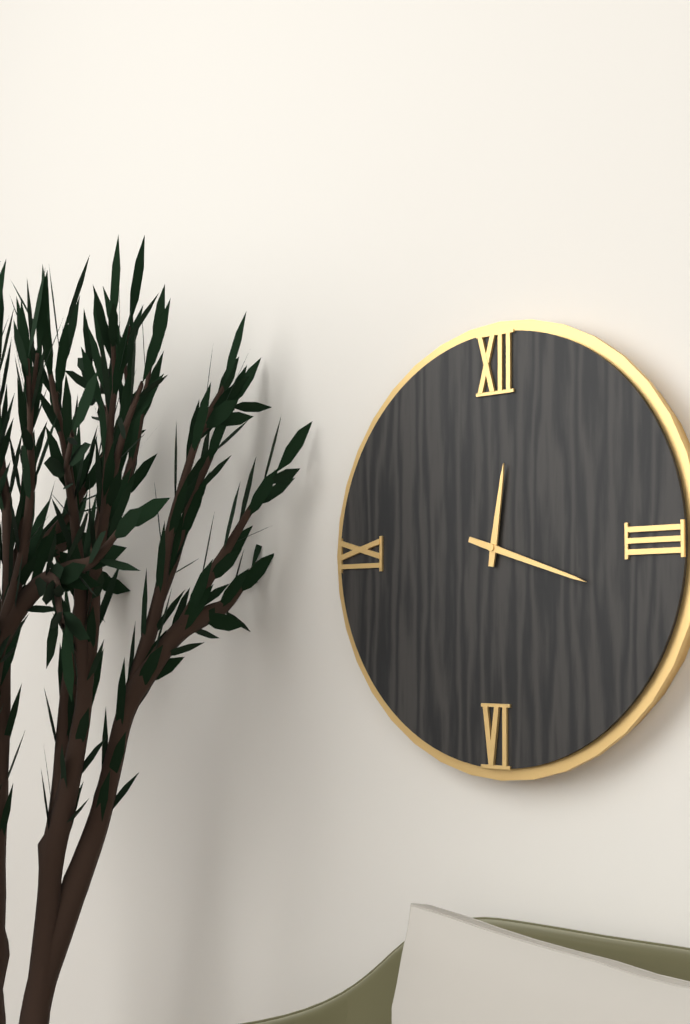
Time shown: h=12 m=18
